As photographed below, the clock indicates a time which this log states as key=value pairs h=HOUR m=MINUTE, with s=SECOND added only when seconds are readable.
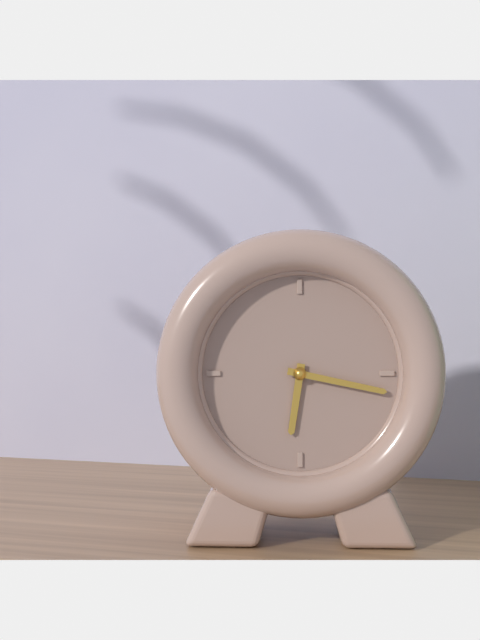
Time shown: h=6 m=17
